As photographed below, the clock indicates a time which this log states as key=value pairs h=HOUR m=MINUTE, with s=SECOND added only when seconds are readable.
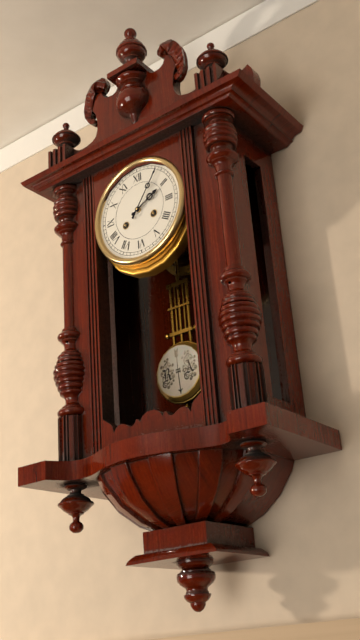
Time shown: h=2 m=6
